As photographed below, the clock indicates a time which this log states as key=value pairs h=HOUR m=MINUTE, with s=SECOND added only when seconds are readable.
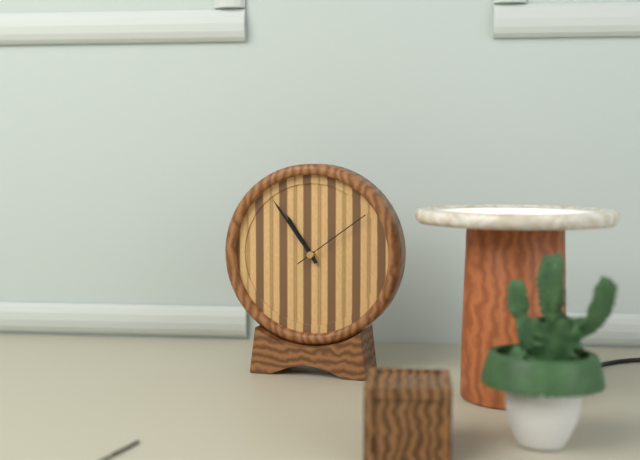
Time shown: h=10 m=54 s=9
